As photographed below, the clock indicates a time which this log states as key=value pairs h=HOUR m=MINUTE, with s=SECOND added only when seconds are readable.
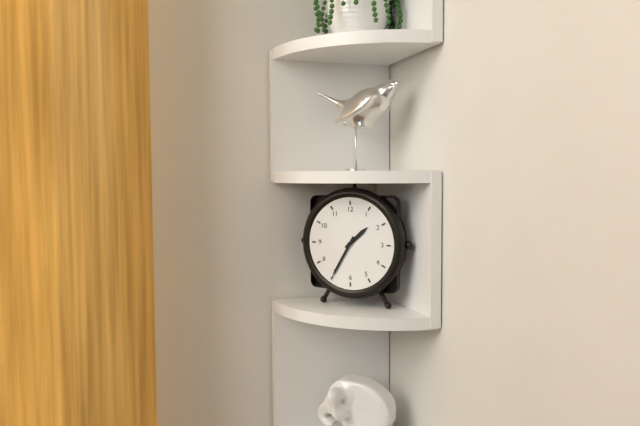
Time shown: h=1 m=35
